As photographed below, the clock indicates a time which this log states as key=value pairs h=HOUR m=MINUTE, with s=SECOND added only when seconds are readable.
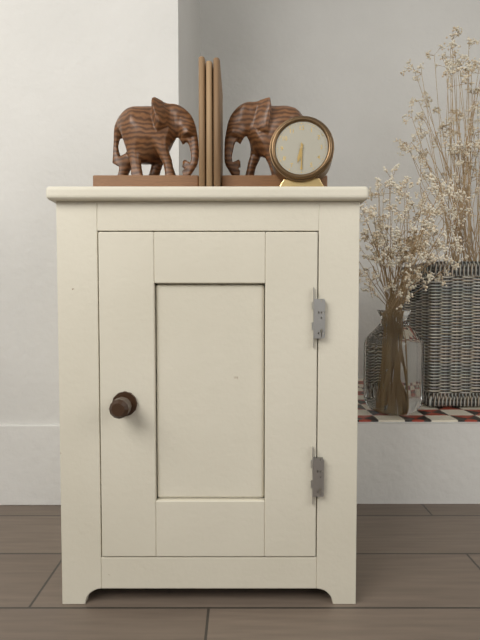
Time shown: h=6 m=30
